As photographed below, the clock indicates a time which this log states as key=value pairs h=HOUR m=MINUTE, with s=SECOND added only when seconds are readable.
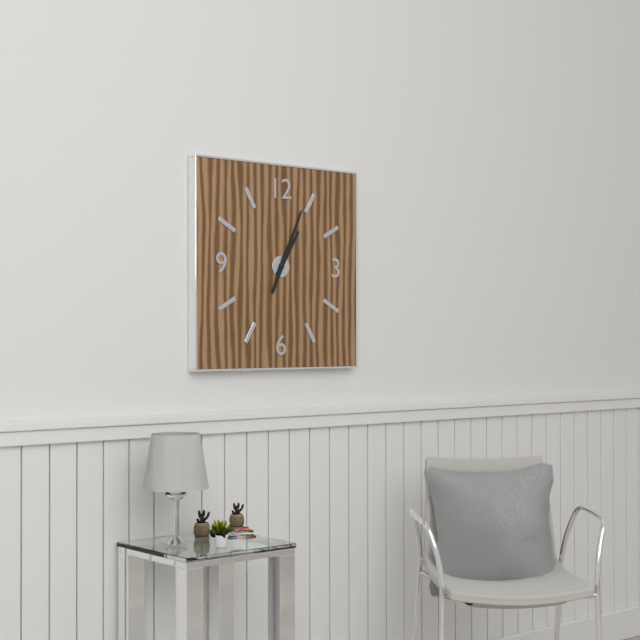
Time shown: h=1 m=4
